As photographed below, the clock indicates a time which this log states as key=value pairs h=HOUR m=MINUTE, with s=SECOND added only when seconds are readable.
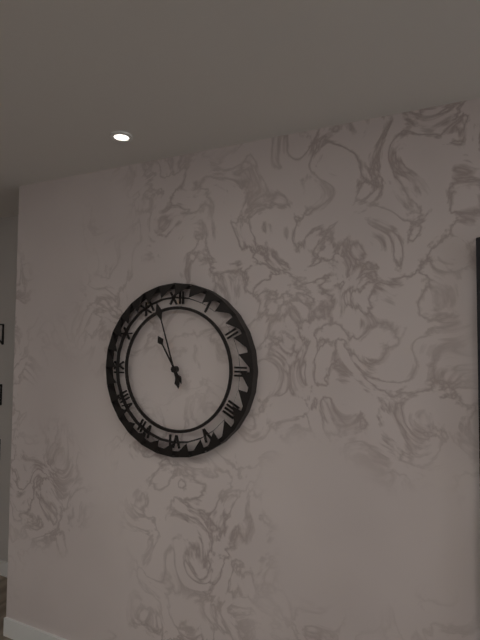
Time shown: h=10 m=57
